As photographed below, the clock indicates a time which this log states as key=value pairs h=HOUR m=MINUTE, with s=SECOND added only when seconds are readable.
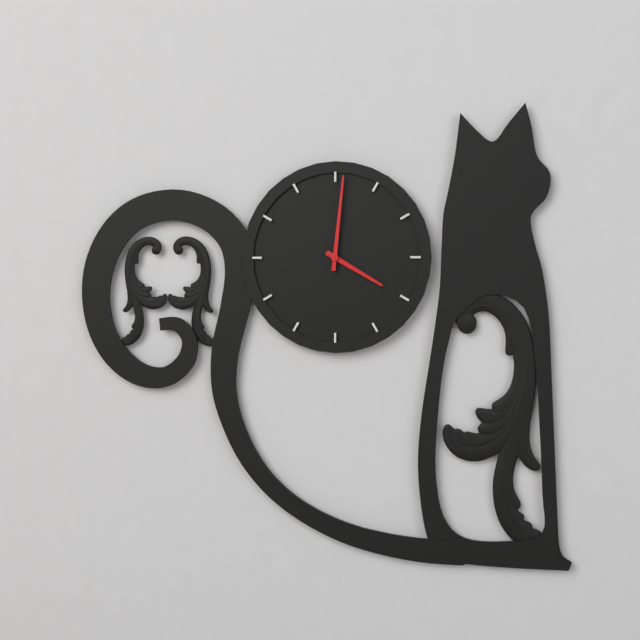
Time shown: h=4 m=1
